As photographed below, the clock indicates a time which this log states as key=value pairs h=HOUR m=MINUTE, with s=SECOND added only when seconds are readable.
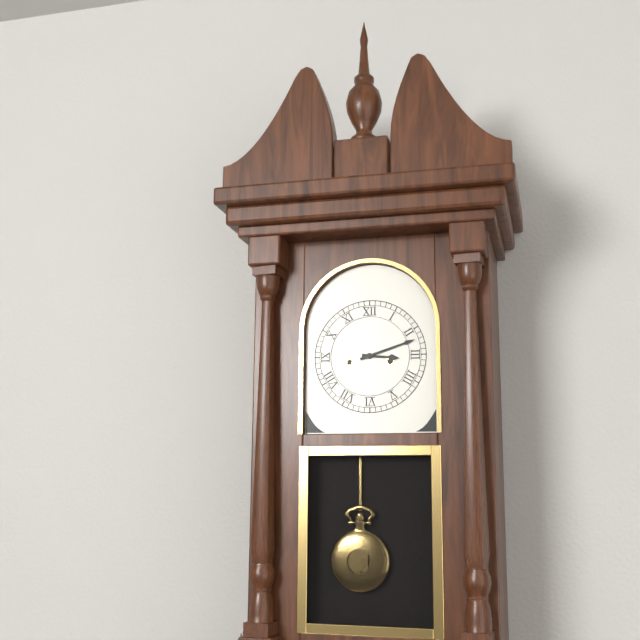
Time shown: h=3 m=12
